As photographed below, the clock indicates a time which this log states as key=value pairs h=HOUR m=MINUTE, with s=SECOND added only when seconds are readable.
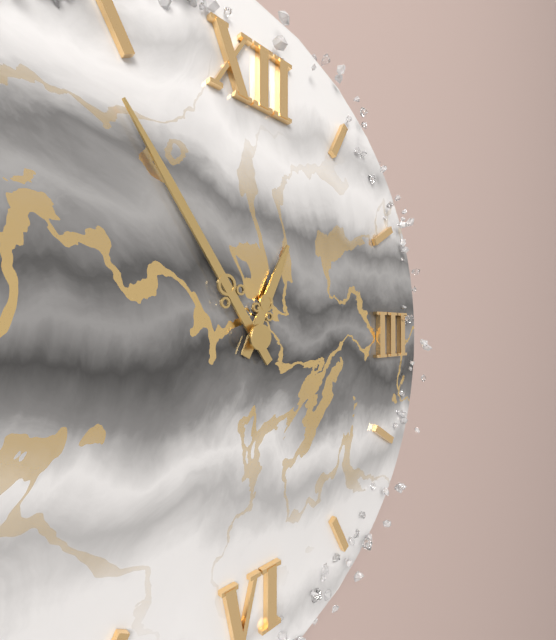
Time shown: h=12 m=54
